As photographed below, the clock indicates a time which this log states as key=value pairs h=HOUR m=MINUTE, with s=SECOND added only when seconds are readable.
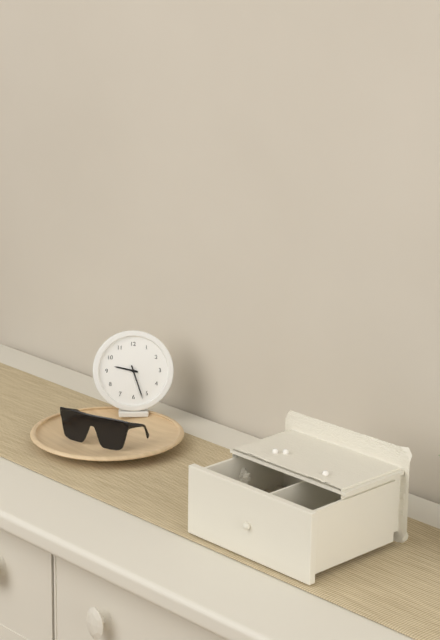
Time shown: h=9 m=27
